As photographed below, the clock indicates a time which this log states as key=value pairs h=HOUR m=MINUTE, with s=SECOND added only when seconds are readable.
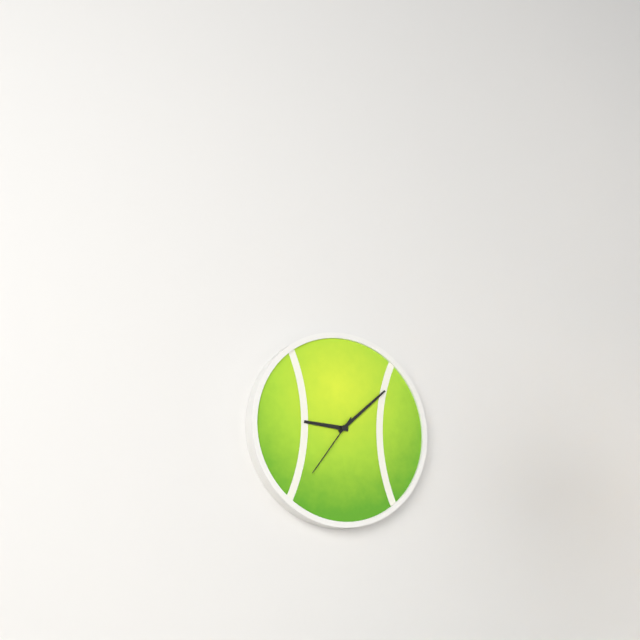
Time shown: h=9 m=8 s=36
